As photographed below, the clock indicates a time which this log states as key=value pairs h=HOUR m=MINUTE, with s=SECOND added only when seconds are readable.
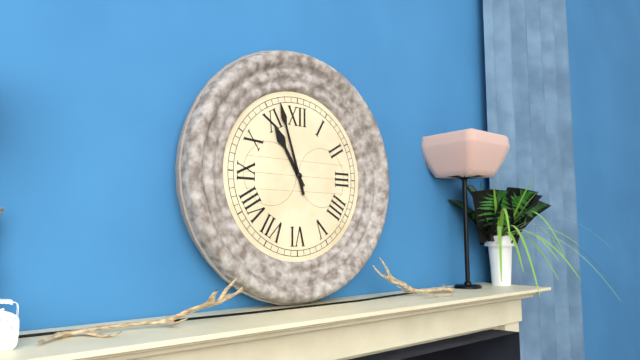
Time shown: h=10 m=57
